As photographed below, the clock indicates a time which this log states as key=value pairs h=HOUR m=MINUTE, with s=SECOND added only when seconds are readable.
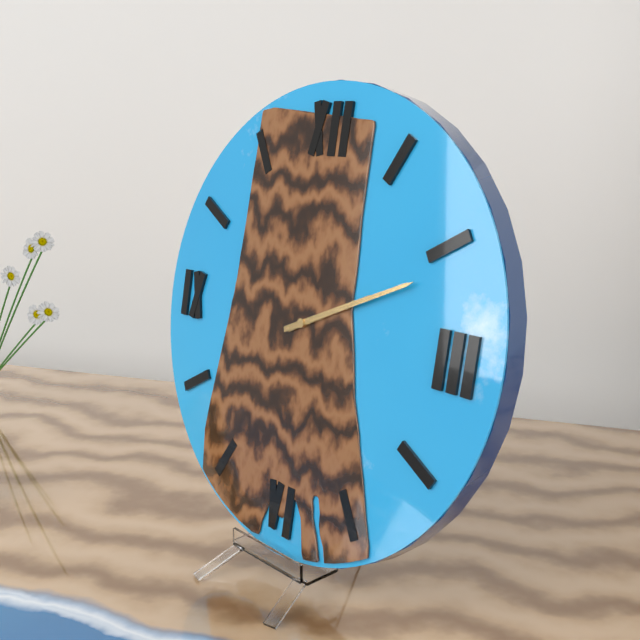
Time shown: h=2 m=11
